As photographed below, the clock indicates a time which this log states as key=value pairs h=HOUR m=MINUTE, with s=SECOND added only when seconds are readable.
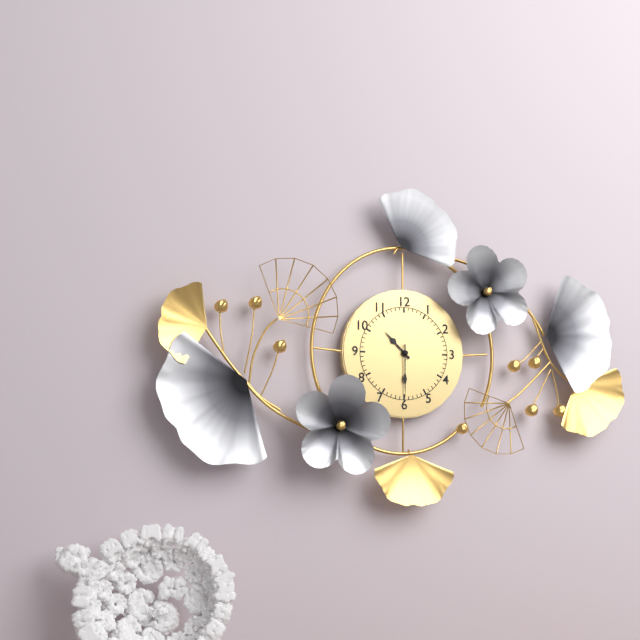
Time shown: h=10 m=30
